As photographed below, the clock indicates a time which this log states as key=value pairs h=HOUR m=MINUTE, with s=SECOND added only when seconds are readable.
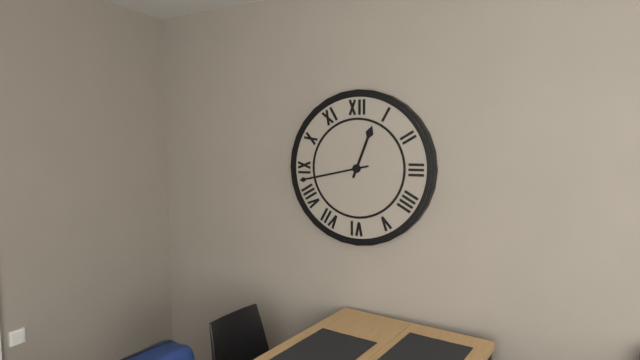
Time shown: h=12 m=43
